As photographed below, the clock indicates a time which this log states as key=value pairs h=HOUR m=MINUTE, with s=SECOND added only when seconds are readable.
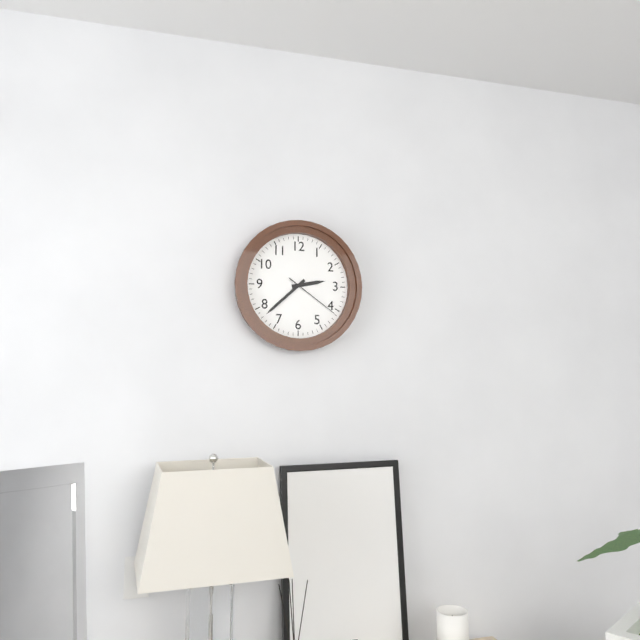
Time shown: h=2 m=38 s=21
